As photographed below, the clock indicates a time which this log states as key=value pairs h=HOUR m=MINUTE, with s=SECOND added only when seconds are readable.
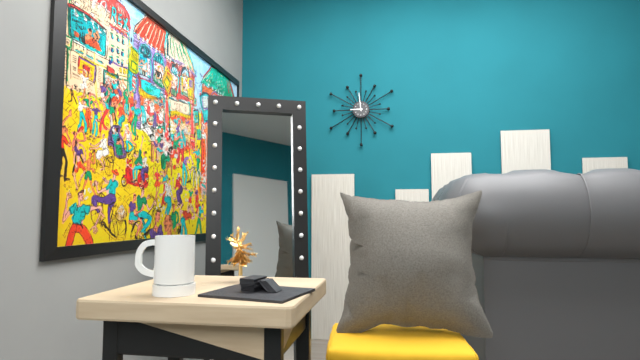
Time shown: h=8 m=59
